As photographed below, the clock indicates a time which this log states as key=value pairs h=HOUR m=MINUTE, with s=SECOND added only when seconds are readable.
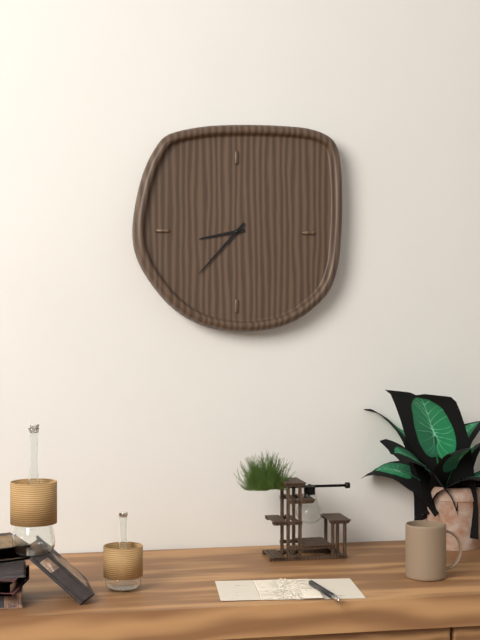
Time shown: h=8 m=37
